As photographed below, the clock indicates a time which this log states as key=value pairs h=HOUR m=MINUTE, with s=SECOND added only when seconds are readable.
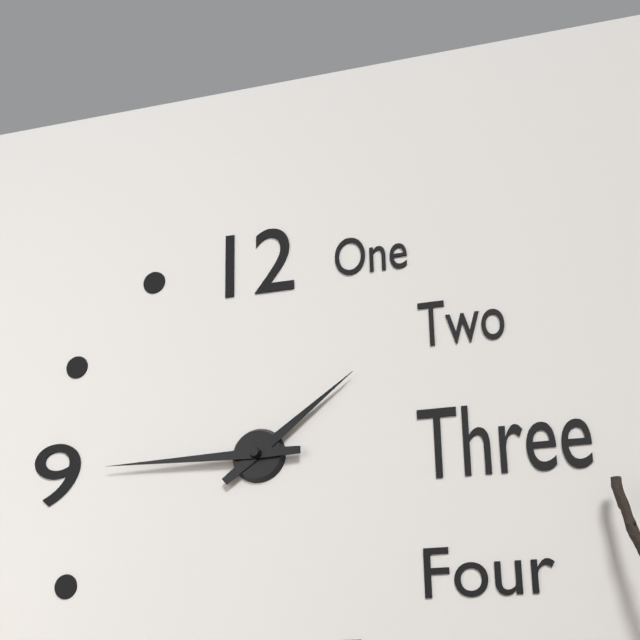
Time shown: h=1 m=45
